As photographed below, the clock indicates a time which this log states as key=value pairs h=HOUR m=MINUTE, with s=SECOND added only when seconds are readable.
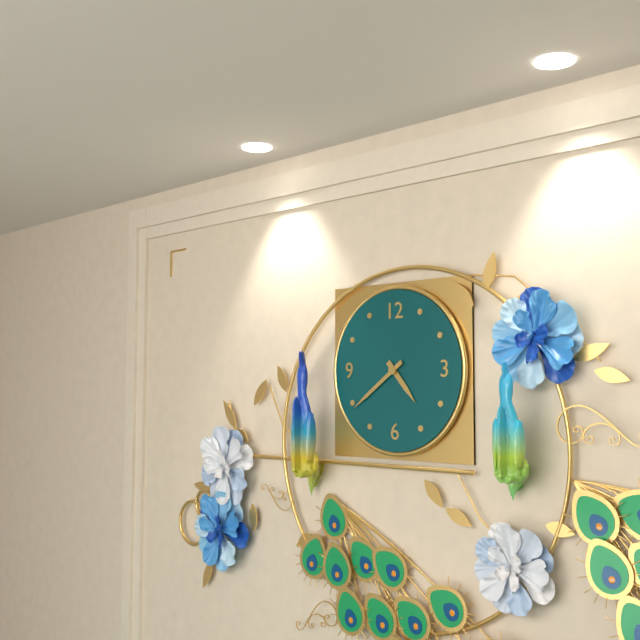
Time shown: h=4 m=39
